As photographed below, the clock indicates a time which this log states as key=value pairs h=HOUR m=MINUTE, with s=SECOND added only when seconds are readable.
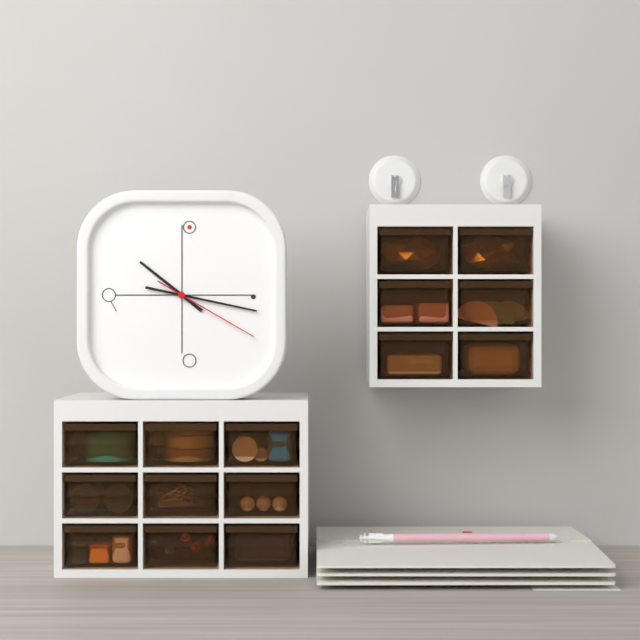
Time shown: h=10 m=17 s=20
